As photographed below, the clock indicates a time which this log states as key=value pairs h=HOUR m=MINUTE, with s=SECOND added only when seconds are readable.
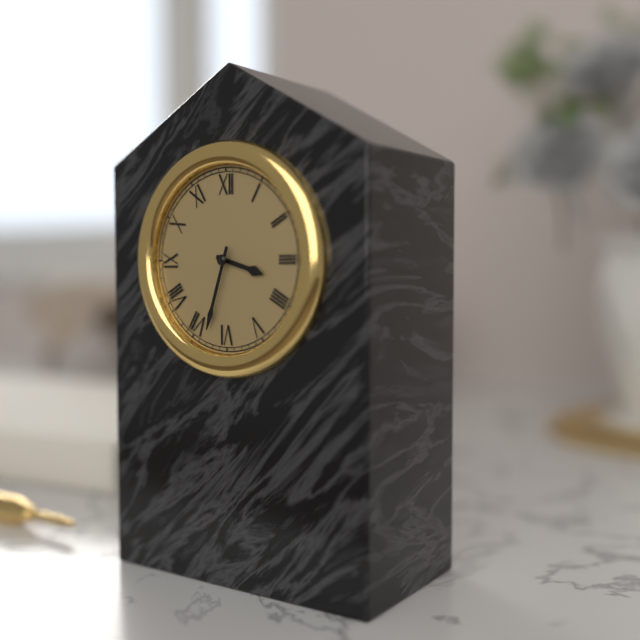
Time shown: h=3 m=33
